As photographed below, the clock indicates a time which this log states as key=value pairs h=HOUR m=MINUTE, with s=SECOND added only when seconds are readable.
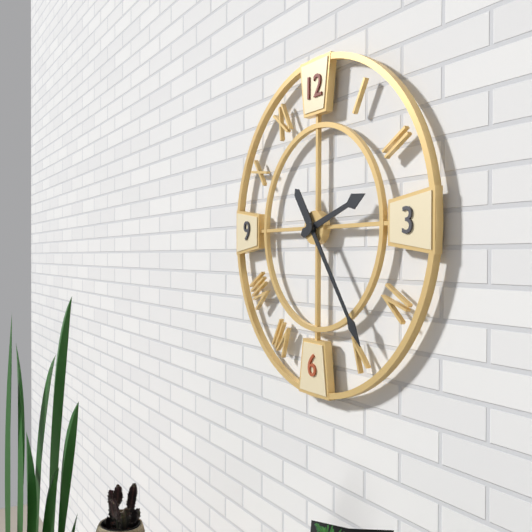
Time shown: h=2 m=24
